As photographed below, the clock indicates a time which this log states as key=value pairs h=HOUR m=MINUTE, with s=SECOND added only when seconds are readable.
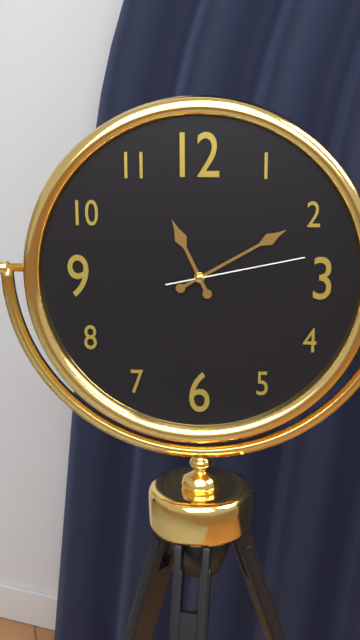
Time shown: h=11 m=10 s=13
